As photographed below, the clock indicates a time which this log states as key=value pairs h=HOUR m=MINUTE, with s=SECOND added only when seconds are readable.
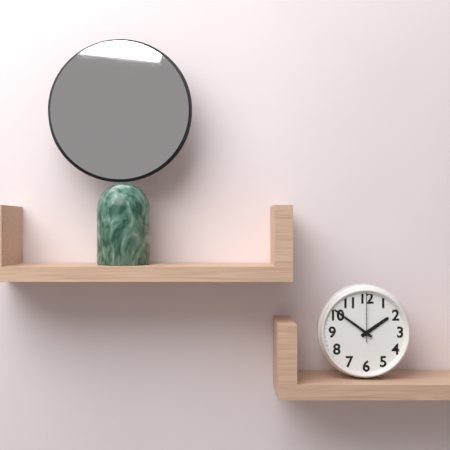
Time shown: h=1 m=51 s=0
